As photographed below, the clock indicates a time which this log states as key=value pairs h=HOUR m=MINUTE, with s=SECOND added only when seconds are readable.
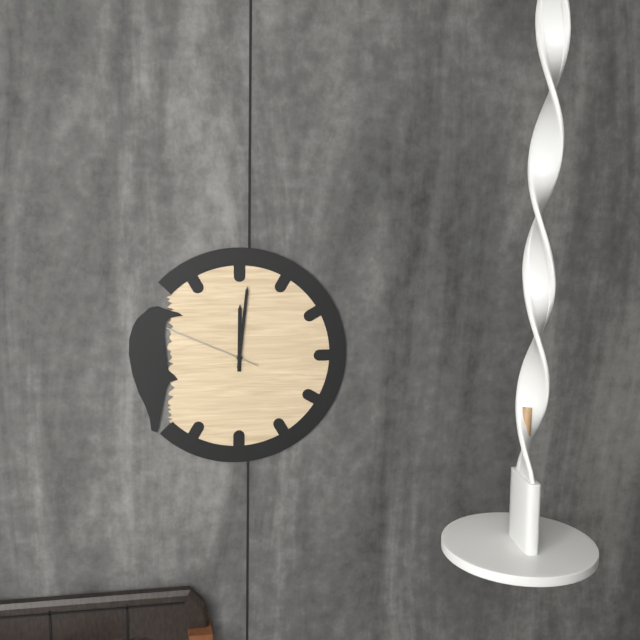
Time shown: h=12 m=1 s=49
